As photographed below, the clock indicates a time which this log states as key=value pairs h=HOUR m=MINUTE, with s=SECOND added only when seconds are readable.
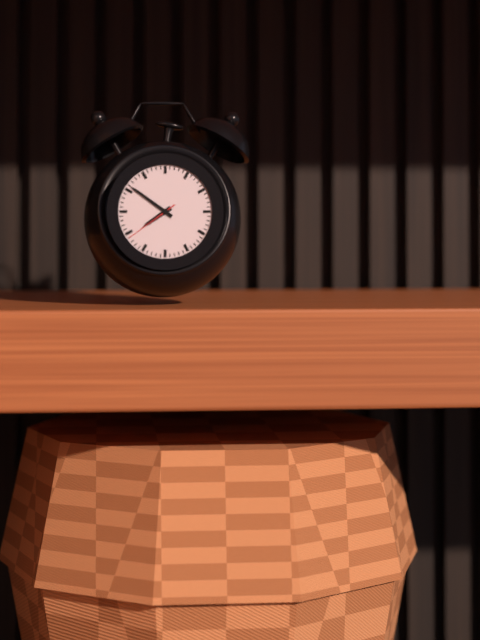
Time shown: h=7 m=51 s=39
